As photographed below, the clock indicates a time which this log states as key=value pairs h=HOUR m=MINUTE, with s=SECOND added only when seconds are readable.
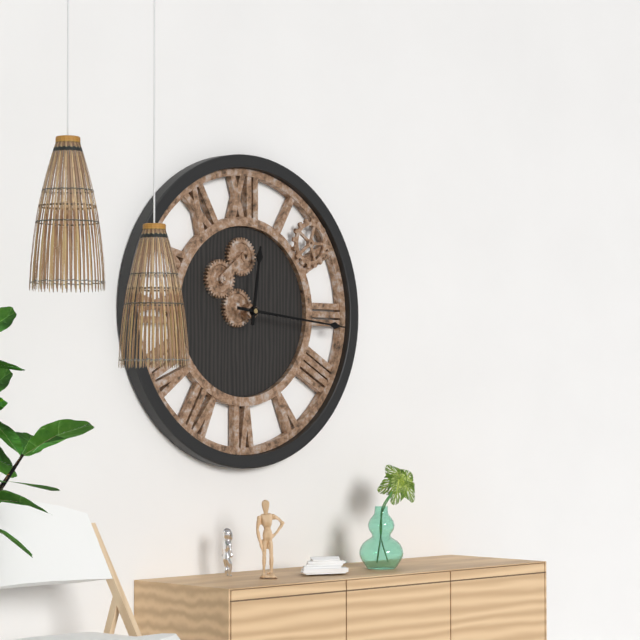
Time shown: h=12 m=16
